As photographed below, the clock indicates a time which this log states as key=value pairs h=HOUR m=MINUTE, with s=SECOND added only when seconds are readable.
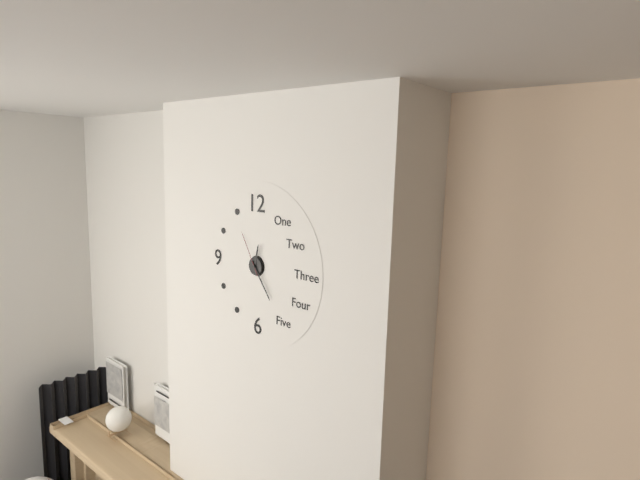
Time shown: h=12 m=24
